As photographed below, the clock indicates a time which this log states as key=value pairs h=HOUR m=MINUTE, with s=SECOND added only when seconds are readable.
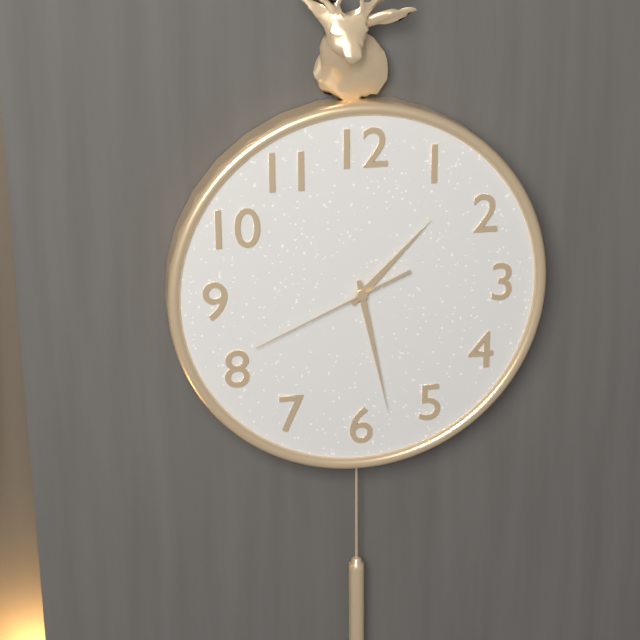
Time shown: h=1 m=28 s=41
